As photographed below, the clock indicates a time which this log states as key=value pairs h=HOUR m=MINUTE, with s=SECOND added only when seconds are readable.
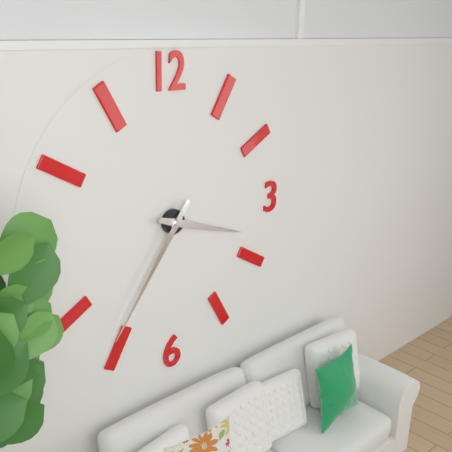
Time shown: h=3 m=36
